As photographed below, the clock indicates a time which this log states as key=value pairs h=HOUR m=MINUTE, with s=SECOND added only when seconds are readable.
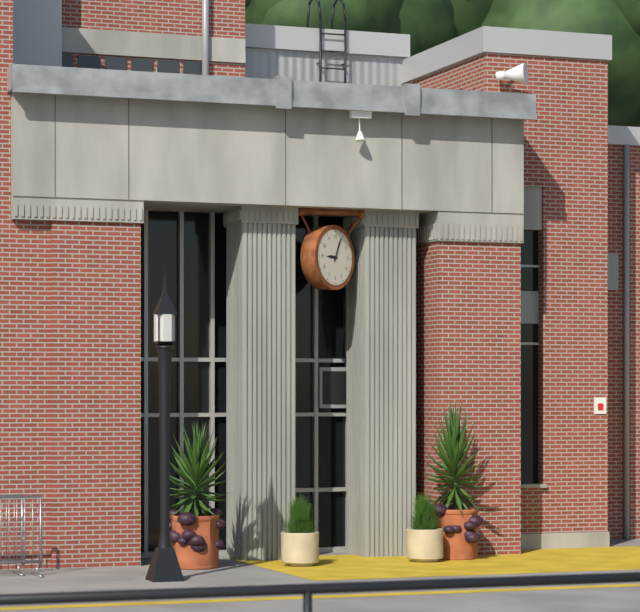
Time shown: h=9 m=4
